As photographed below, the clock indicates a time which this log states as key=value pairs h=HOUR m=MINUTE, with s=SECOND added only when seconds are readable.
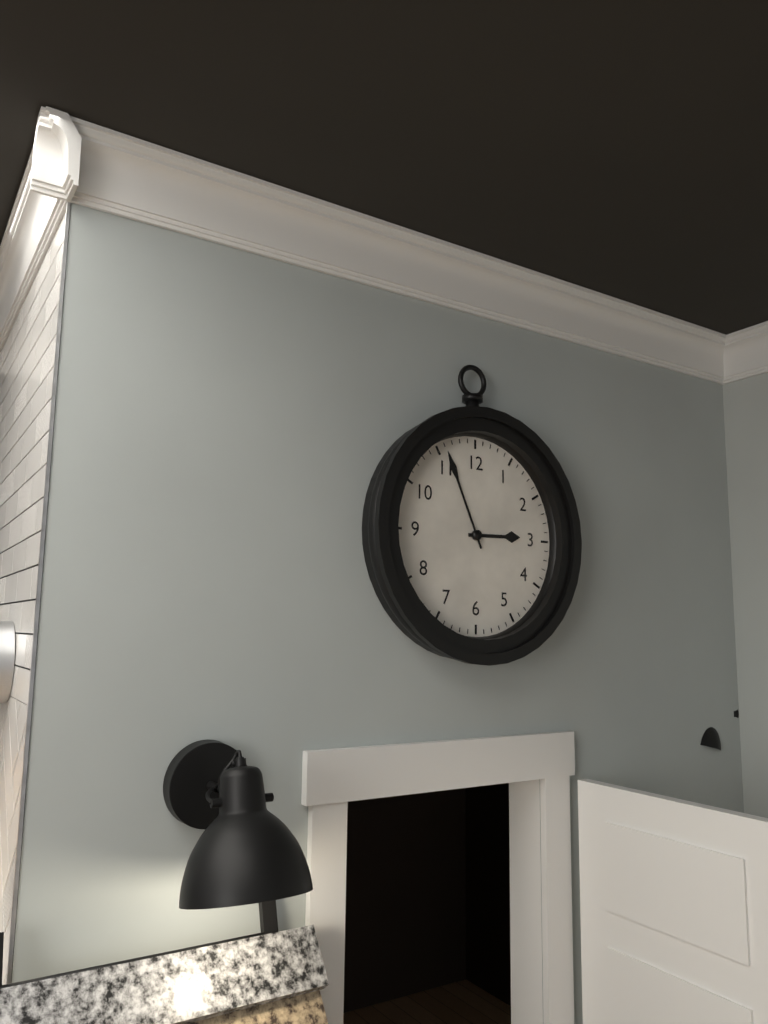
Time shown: h=2 m=56
